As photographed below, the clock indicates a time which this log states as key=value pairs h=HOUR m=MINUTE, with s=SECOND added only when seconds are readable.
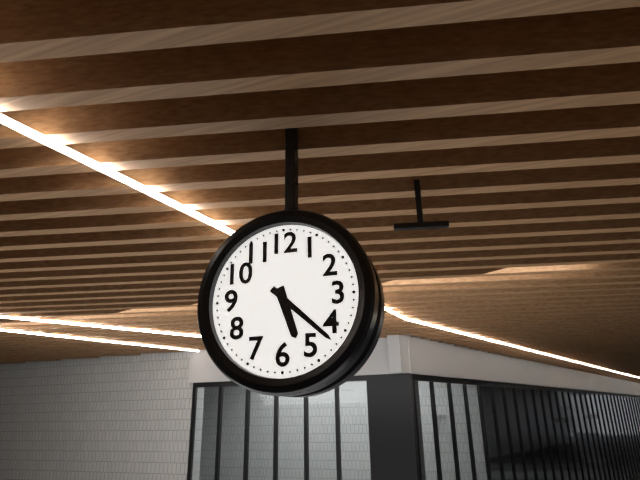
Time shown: h=5 m=22
